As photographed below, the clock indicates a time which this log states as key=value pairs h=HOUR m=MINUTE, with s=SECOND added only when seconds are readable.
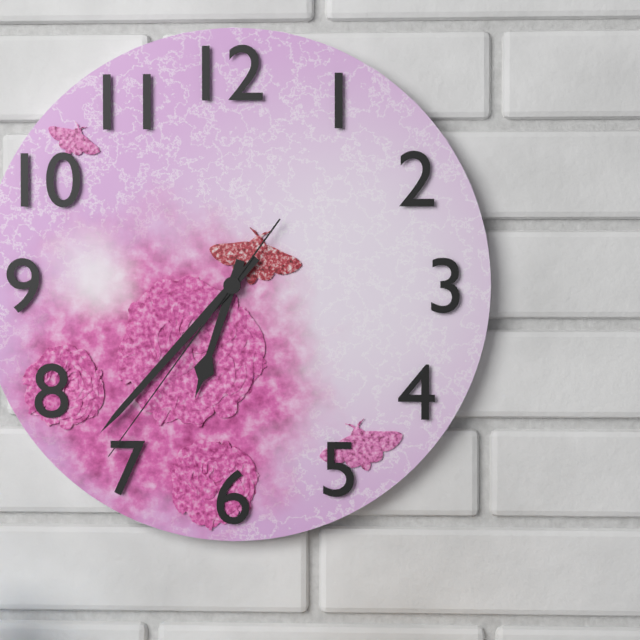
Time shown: h=6 m=37 s=36
